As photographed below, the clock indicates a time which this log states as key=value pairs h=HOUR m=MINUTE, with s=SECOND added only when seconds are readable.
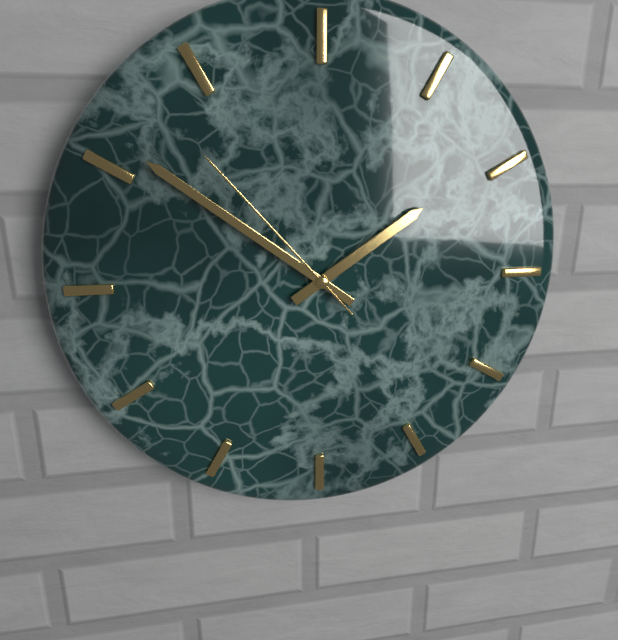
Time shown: h=1 m=51 s=53
